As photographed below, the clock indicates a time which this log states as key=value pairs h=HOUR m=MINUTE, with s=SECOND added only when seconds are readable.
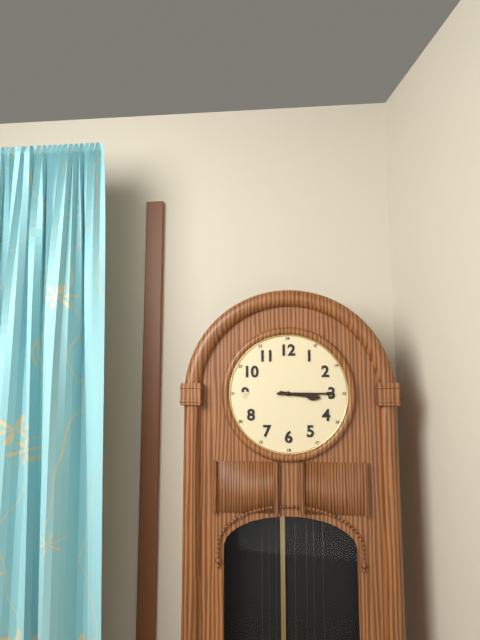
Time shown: h=3 m=15
